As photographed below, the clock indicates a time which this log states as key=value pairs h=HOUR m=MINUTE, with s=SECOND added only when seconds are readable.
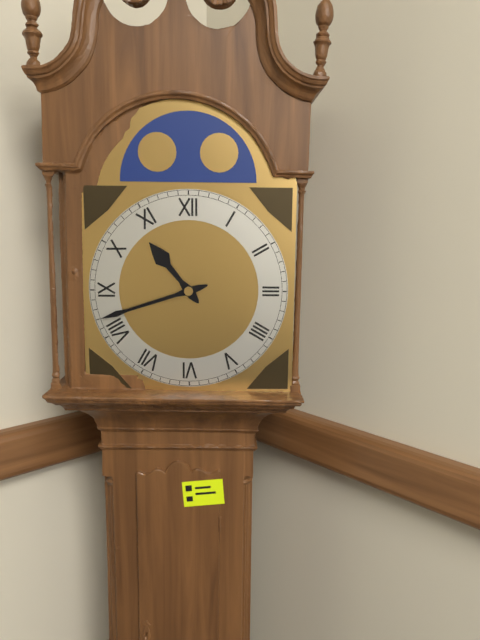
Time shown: h=10 m=42
